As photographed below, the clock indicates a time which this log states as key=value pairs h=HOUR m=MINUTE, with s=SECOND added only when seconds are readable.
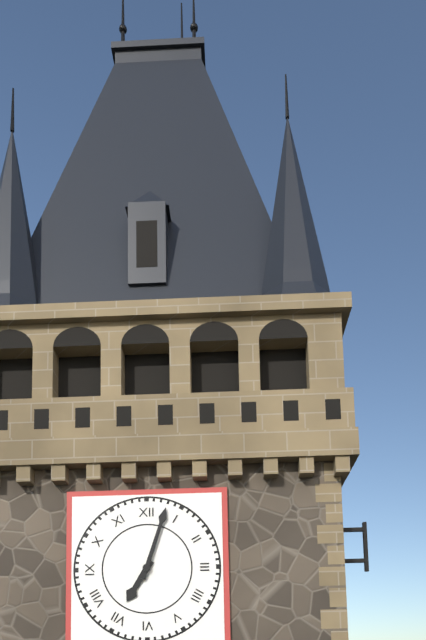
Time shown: h=7 m=3
